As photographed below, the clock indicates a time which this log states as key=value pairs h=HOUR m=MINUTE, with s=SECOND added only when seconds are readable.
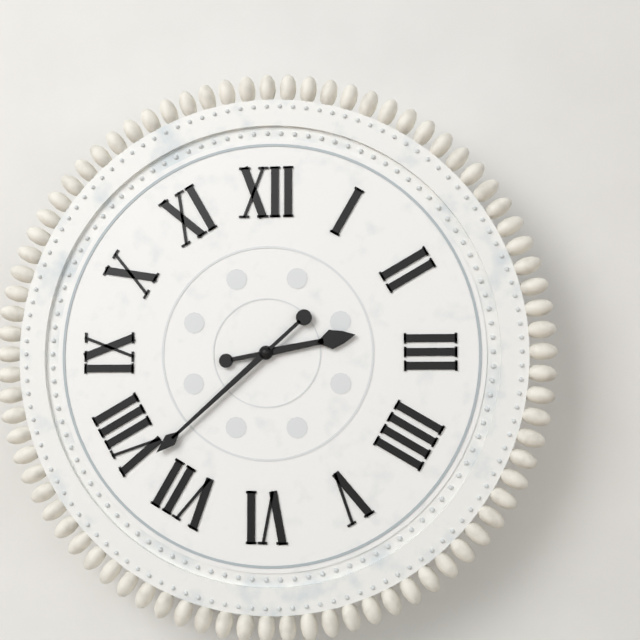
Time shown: h=2 m=38
